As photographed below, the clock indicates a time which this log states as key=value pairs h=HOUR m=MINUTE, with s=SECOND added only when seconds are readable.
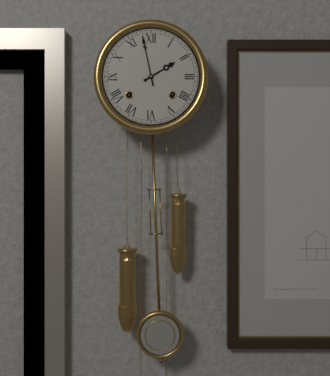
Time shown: h=1 m=58
